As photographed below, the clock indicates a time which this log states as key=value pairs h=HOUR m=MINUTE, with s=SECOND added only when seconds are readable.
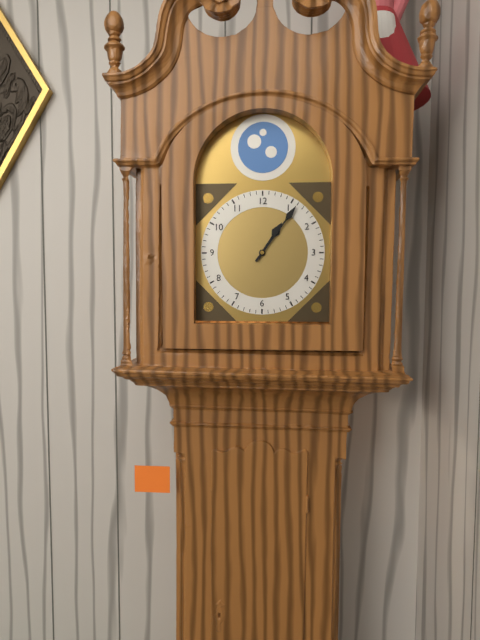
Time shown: h=1 m=6
